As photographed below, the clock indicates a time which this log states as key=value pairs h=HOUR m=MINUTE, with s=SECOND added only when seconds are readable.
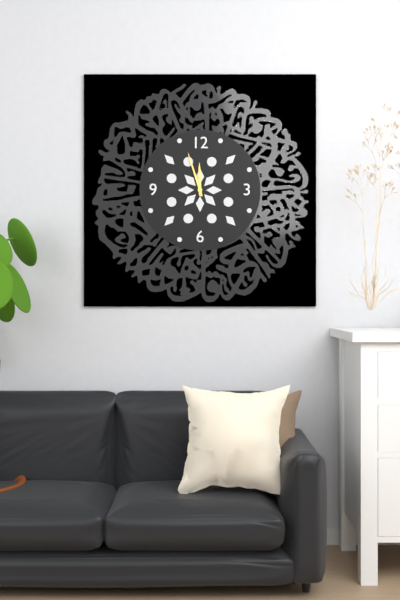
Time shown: h=11 m=57
